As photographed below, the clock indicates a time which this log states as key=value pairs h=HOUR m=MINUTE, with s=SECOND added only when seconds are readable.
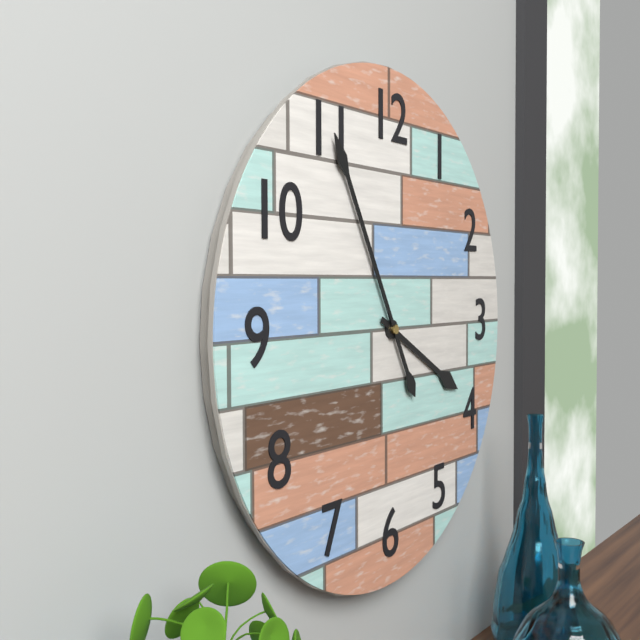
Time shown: h=3 m=55
